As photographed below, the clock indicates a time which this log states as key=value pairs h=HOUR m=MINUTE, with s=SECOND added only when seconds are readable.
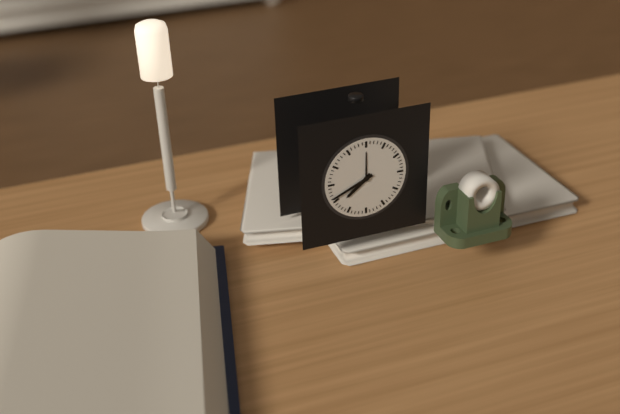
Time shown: h=7 m=41
